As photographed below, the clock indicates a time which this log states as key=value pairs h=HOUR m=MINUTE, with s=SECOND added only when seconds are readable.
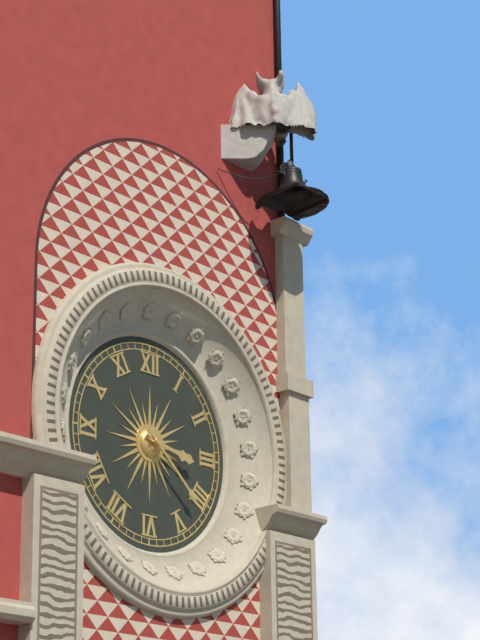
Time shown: h=3 m=22
